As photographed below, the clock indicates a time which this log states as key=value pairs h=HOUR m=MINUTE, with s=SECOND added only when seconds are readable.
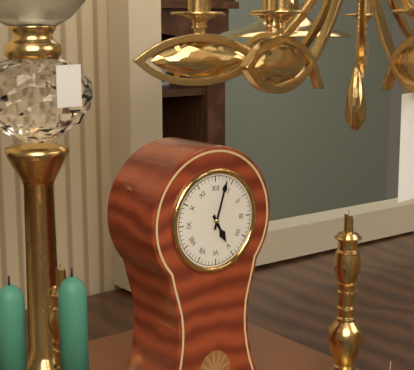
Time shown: h=5 m=3
